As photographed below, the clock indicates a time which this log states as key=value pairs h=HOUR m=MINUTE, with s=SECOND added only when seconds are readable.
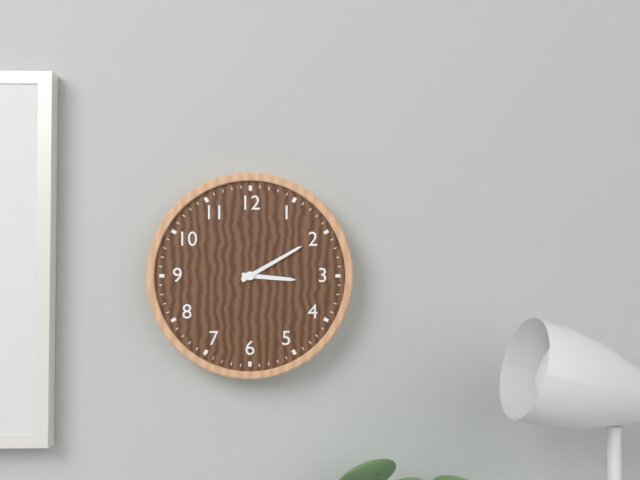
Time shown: h=3 m=10
